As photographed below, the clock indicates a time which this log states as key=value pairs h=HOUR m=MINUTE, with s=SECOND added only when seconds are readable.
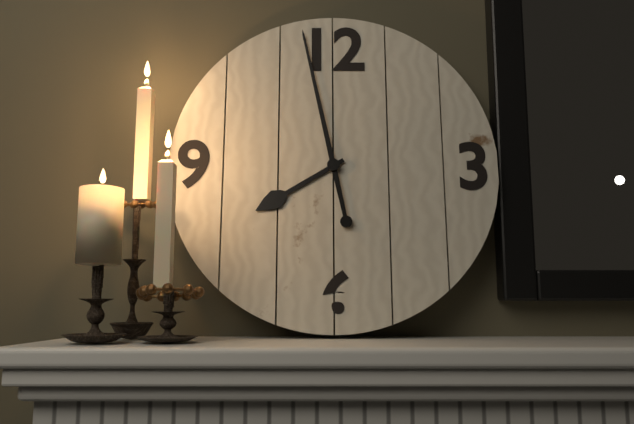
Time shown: h=7 m=58
